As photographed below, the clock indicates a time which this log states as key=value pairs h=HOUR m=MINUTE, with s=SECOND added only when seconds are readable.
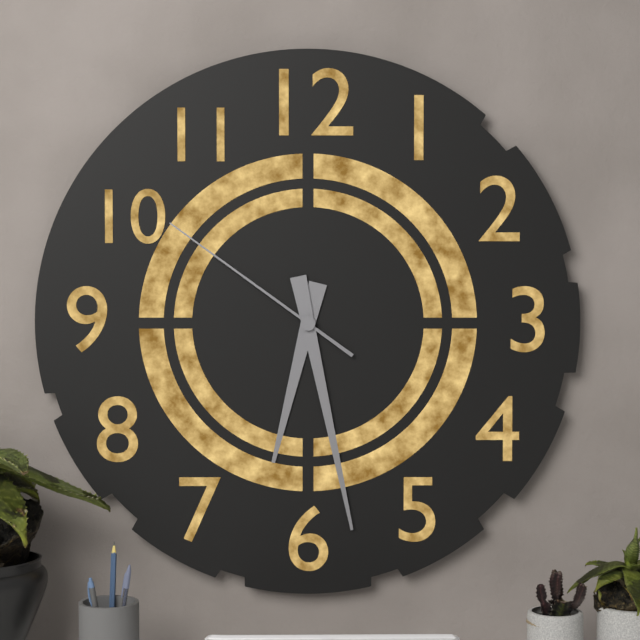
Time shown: h=6 m=28 s=51
